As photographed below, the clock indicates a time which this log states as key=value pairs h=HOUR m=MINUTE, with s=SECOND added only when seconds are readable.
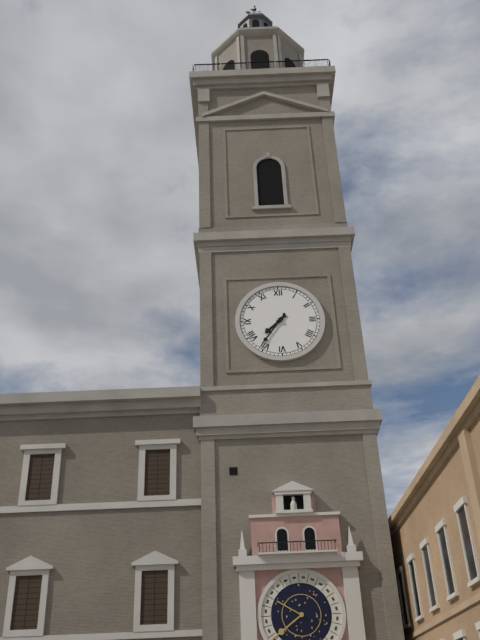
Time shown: h=7 m=36
